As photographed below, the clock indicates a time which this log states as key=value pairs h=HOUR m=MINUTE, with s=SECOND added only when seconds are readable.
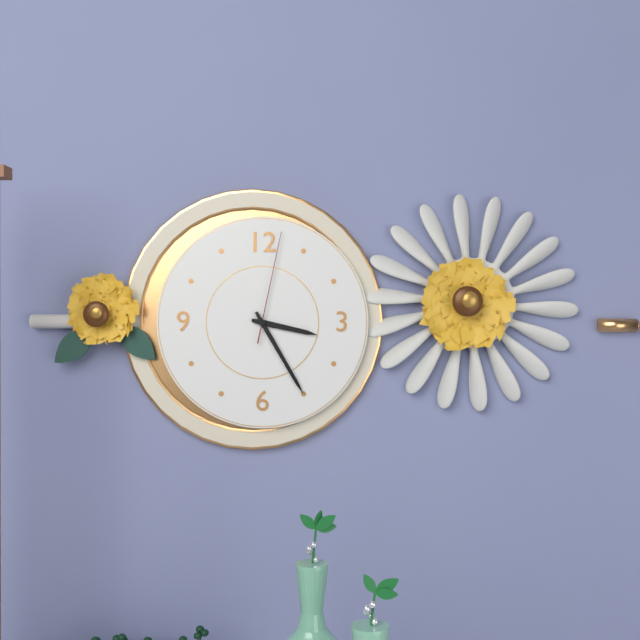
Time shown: h=3 m=25 s=2
